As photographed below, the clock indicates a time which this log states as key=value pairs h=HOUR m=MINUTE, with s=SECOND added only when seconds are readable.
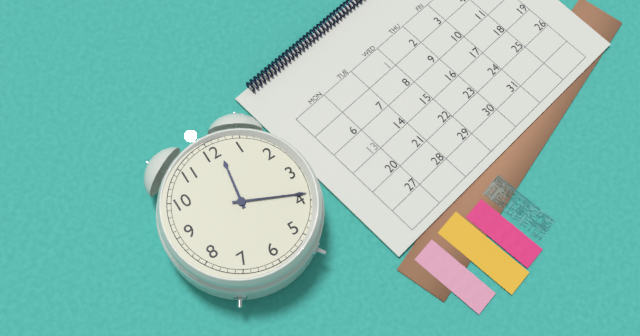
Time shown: h=12 m=19
